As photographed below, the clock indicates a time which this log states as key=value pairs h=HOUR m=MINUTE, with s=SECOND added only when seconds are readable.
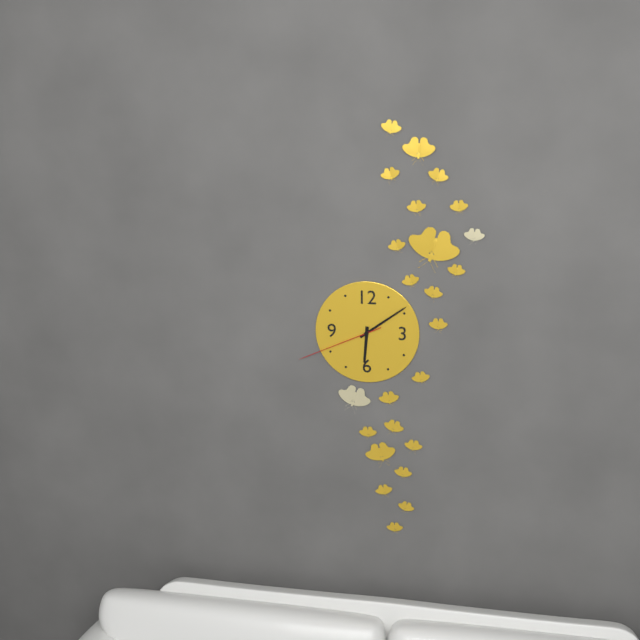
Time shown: h=6 m=9 s=41
